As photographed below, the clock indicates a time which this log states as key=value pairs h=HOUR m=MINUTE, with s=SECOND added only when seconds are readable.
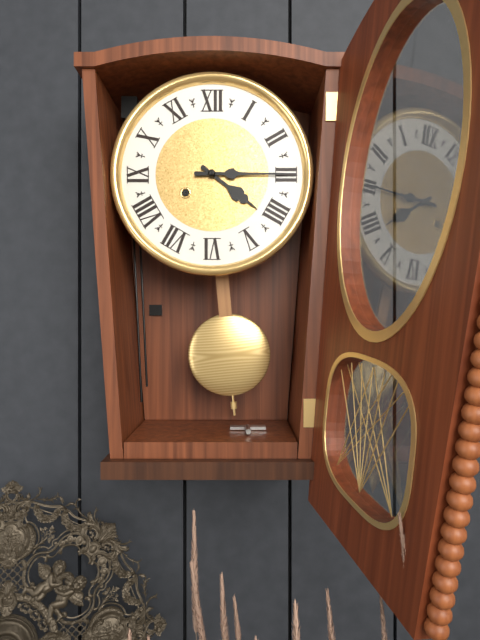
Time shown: h=4 m=15
